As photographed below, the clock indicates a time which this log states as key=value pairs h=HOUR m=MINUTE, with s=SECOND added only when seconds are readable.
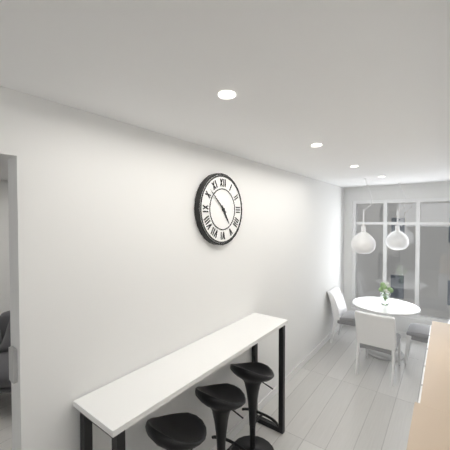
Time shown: h=4 m=52
